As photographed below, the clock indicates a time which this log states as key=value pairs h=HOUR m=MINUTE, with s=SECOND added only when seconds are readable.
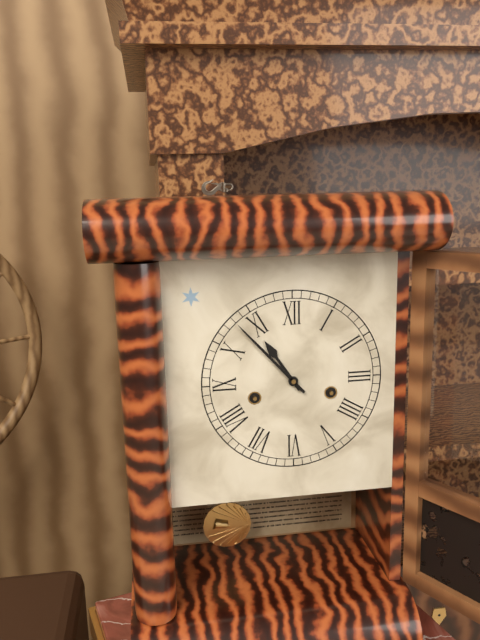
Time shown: h=10 m=53
